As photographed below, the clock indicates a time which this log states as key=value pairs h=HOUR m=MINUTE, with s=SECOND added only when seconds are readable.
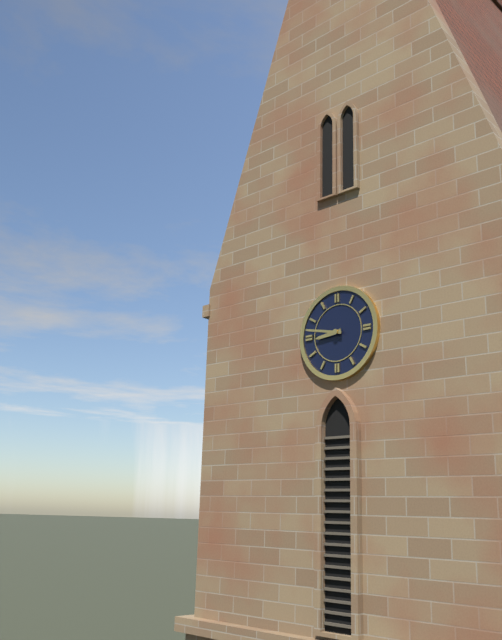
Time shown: h=8 m=47
